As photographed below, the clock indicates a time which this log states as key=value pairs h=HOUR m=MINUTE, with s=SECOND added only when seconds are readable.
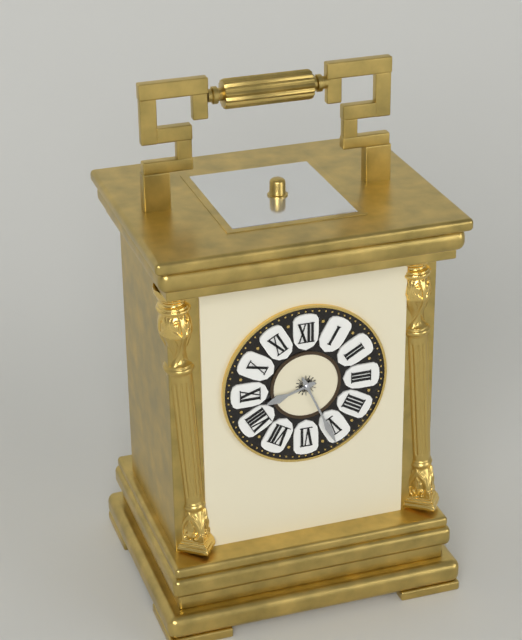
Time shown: h=8 m=26
